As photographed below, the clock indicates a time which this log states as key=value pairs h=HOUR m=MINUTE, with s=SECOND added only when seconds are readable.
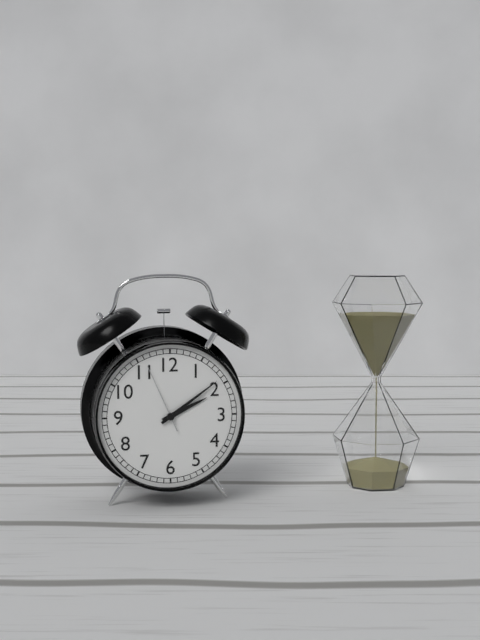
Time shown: h=2 m=9 s=56
